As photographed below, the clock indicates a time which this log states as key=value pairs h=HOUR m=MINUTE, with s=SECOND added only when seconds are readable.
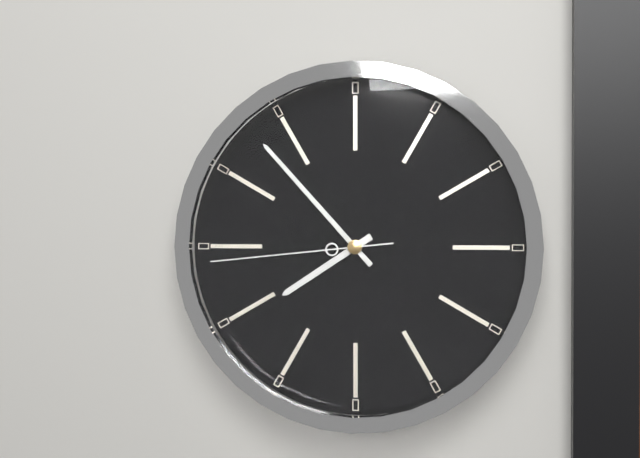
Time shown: h=7 m=53 s=44
